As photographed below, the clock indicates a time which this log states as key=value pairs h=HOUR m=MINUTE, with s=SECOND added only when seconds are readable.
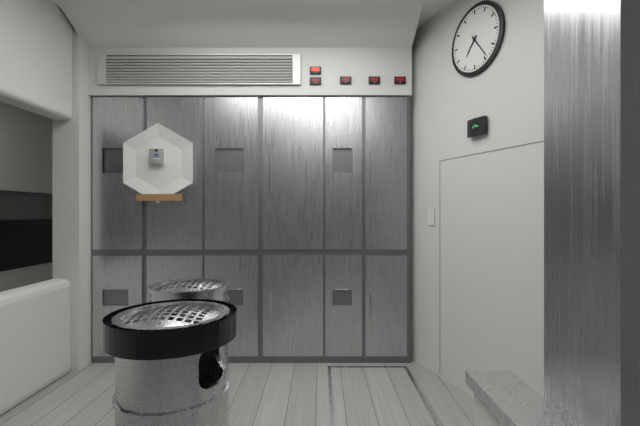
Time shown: h=7 m=24
